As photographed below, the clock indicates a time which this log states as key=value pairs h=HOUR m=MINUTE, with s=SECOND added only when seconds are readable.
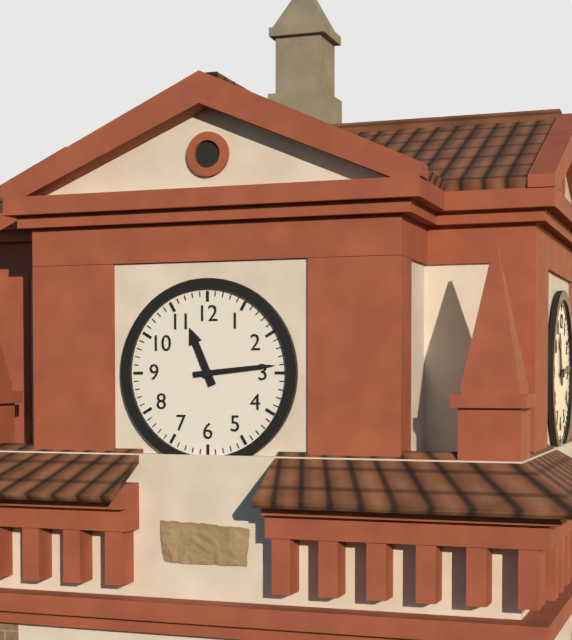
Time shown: h=11 m=14
